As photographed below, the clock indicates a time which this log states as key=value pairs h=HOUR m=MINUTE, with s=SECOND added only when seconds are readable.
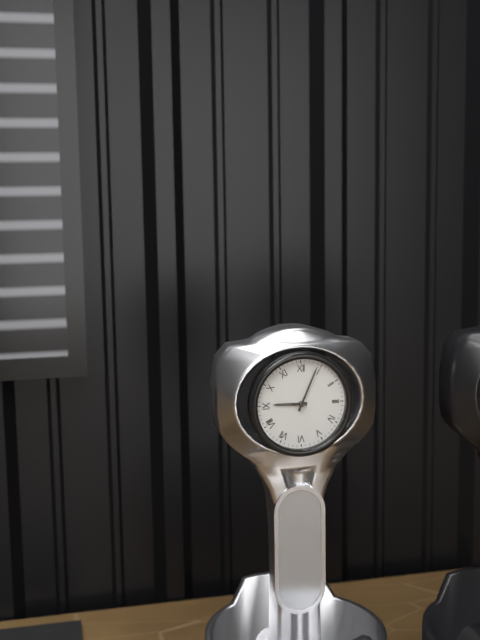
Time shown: h=9 m=4
